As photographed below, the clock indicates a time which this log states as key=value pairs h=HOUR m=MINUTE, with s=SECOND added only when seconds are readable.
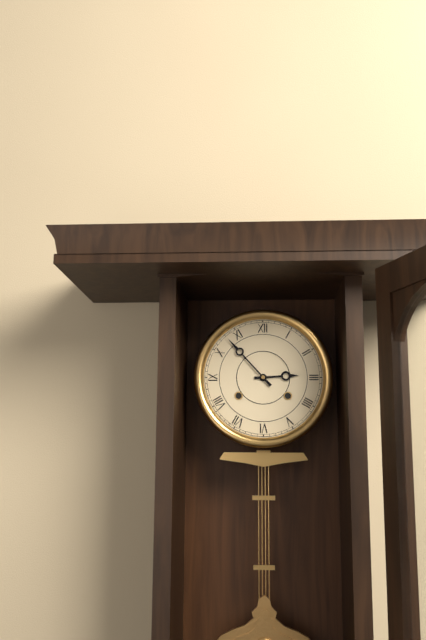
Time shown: h=2 m=53
